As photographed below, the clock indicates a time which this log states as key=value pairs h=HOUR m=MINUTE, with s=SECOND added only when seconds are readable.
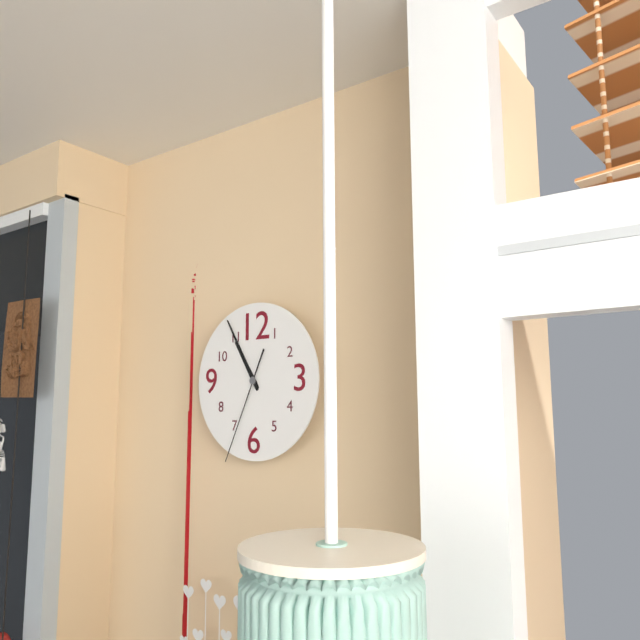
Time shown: h=10 m=55 s=34
